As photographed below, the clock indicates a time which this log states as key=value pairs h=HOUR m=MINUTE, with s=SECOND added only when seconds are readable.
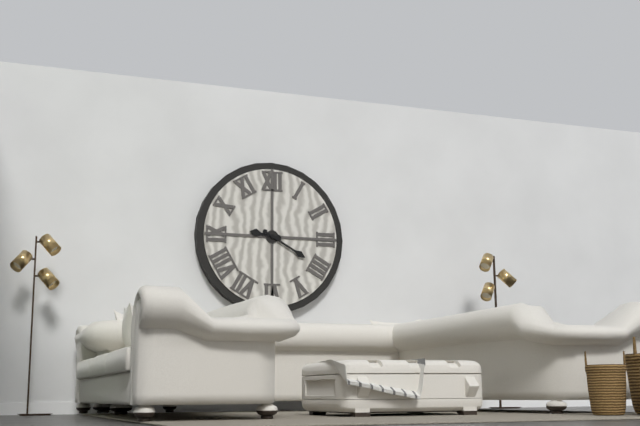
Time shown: h=9 m=20
